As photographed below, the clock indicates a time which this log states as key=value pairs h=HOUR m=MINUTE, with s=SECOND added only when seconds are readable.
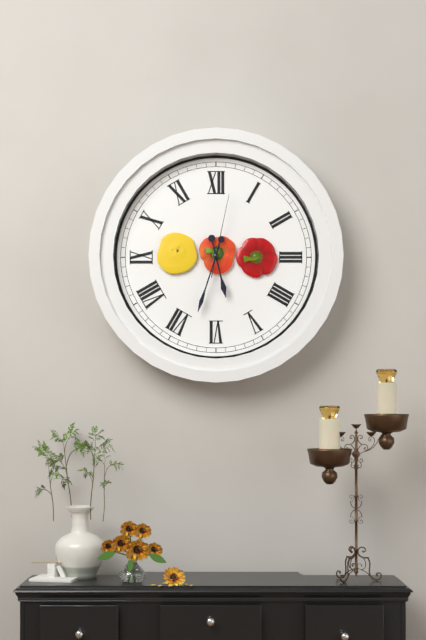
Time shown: h=5 m=33 s=2
